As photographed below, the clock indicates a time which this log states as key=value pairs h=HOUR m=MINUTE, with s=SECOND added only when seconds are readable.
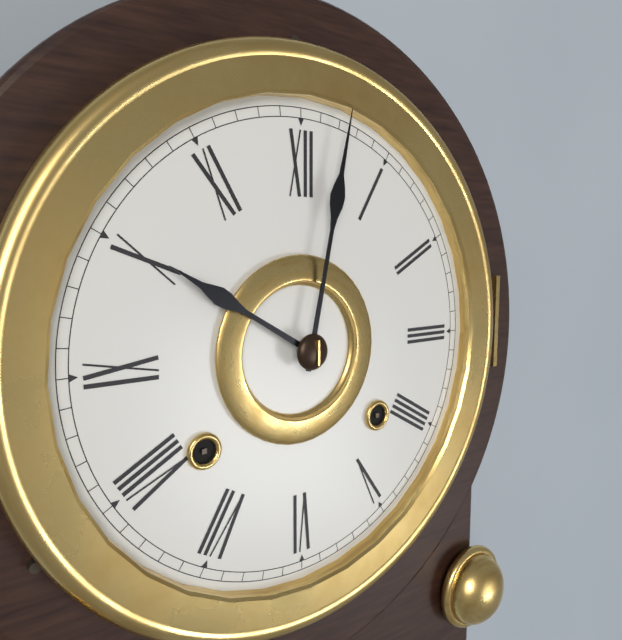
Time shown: h=10 m=2
